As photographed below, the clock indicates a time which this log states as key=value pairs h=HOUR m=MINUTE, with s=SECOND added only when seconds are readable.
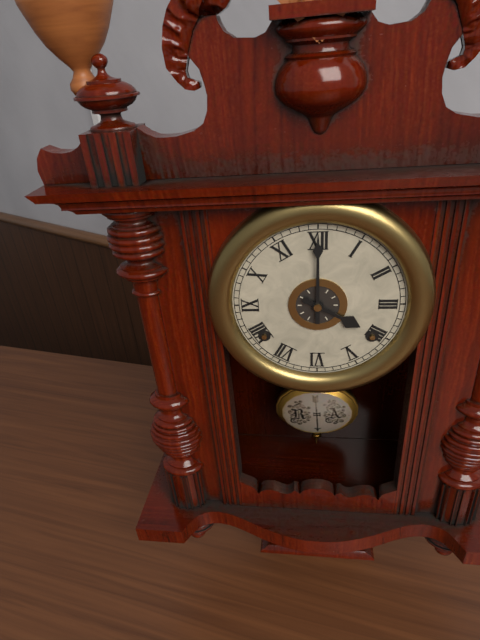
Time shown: h=4 m=0
